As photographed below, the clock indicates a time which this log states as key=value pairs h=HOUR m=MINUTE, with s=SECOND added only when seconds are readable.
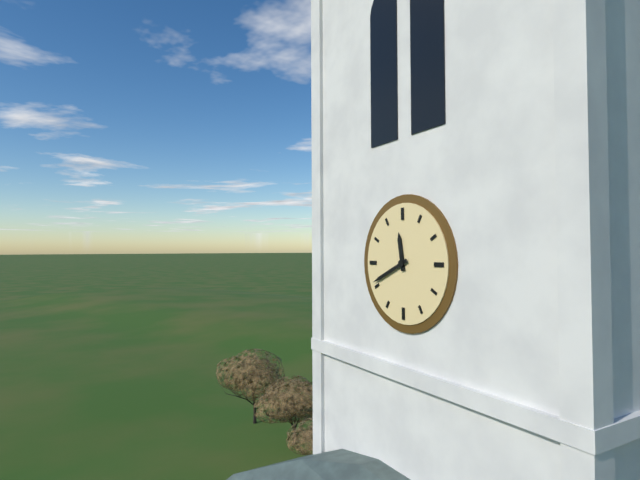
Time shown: h=11 m=41
